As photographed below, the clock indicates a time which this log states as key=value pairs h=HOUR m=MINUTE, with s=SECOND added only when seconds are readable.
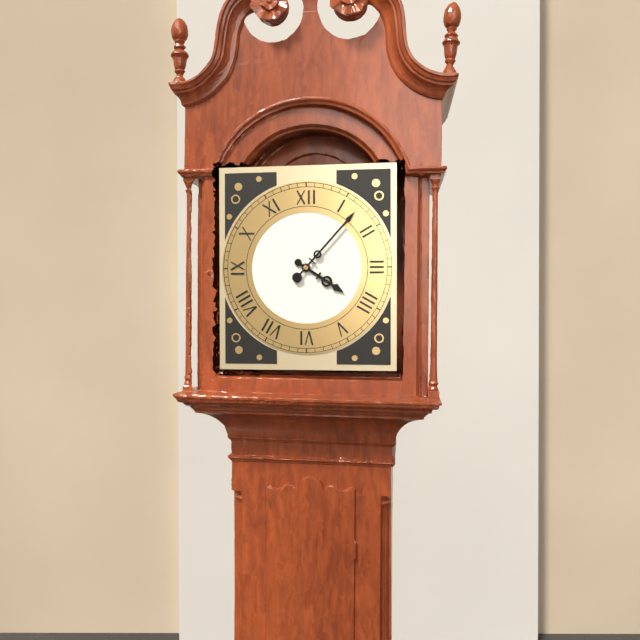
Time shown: h=4 m=7
